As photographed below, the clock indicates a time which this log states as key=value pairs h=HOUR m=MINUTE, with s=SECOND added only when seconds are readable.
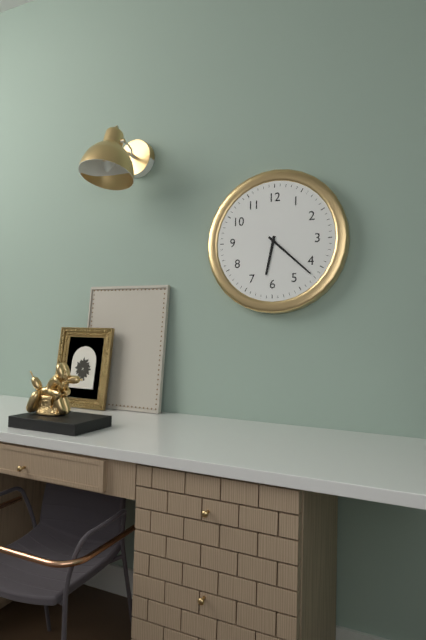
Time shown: h=6 m=22
